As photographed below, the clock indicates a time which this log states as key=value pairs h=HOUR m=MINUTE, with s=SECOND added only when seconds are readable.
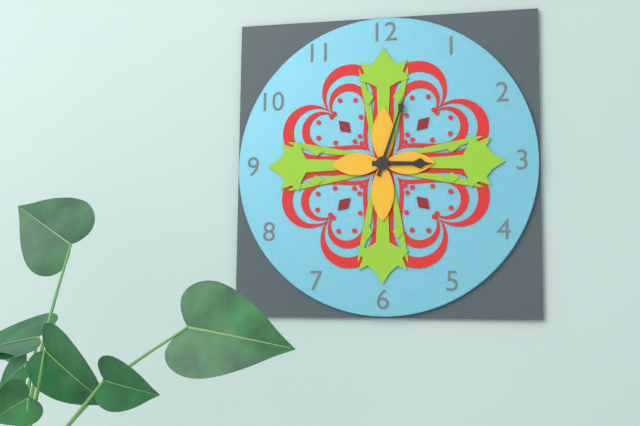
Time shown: h=3 m=3
